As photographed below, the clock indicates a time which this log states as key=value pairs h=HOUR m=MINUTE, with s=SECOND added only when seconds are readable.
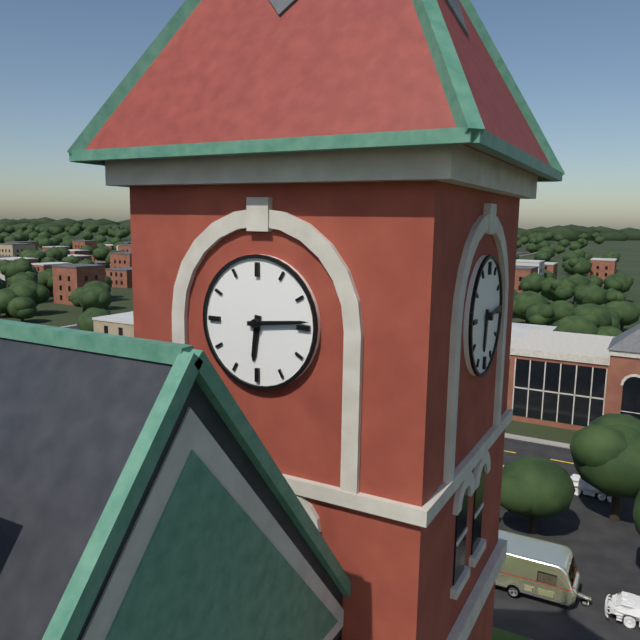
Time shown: h=6 m=14
